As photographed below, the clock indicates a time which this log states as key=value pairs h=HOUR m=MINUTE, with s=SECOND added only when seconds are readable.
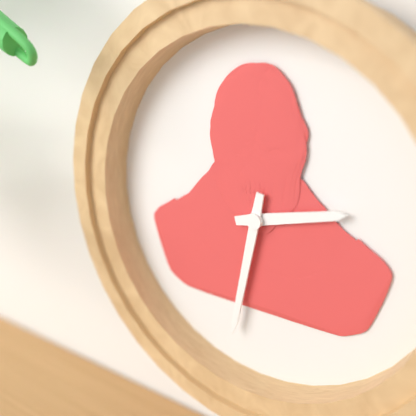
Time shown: h=2 m=32
